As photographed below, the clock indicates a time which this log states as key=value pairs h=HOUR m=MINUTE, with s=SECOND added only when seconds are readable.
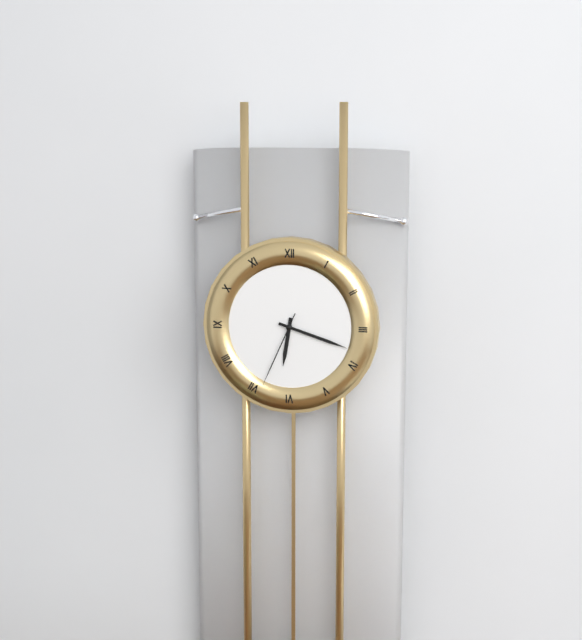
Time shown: h=6 m=18 s=34
